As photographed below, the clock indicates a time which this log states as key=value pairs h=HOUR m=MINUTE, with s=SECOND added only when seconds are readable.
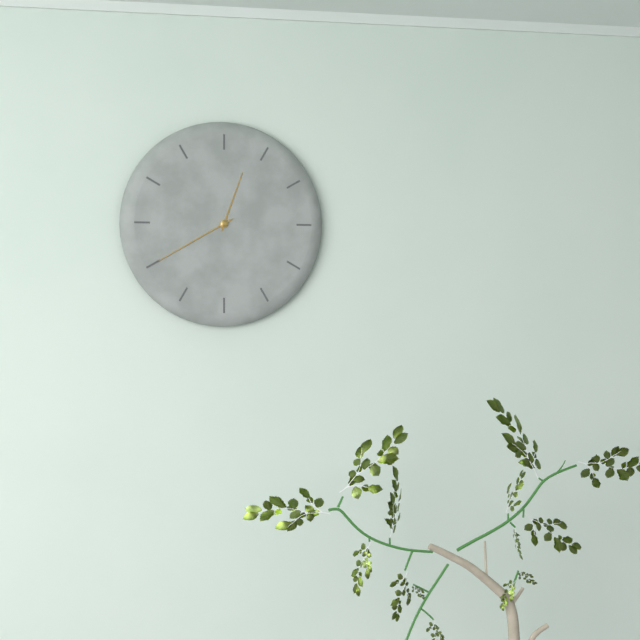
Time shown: h=12 m=40
